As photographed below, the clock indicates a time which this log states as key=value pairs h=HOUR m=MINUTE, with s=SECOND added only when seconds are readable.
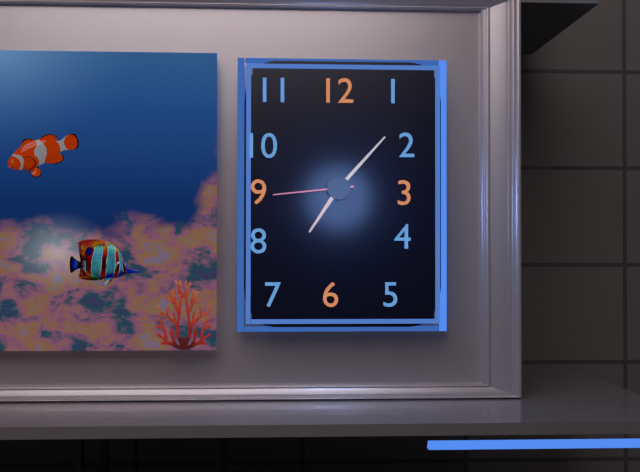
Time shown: h=7 m=7 s=44
